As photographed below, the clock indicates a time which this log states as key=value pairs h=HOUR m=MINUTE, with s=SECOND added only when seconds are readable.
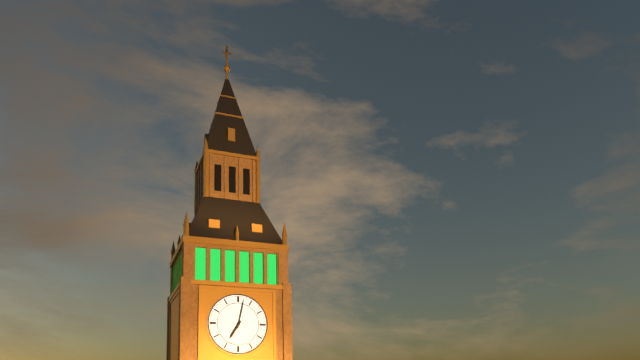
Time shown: h=7 m=2
